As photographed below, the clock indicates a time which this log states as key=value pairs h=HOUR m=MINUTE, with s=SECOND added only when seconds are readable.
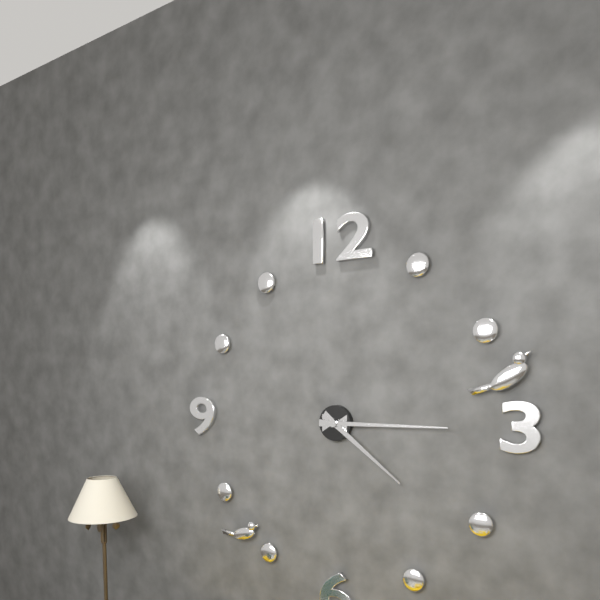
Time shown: h=4 m=15
